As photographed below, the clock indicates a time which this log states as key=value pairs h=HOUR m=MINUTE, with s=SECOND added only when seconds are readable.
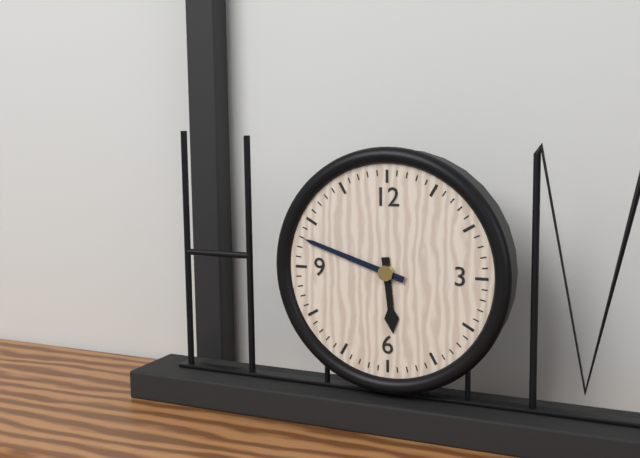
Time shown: h=5 m=48
